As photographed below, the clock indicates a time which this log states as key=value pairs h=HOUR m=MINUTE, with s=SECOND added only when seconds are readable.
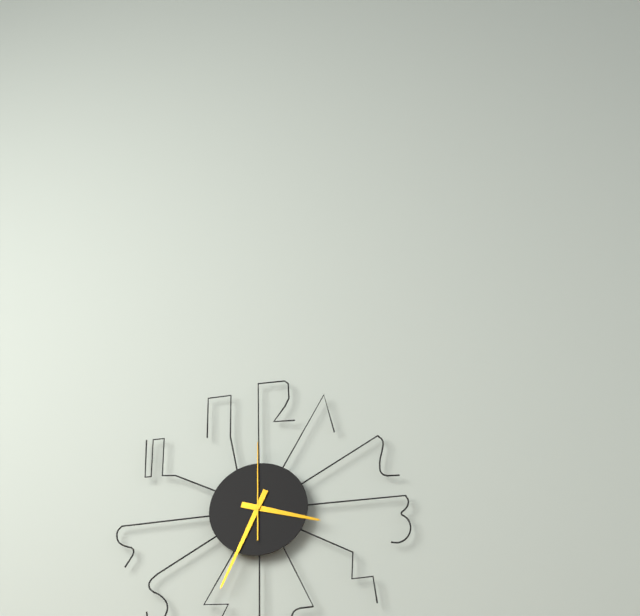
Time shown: h=3 m=34 s=0
